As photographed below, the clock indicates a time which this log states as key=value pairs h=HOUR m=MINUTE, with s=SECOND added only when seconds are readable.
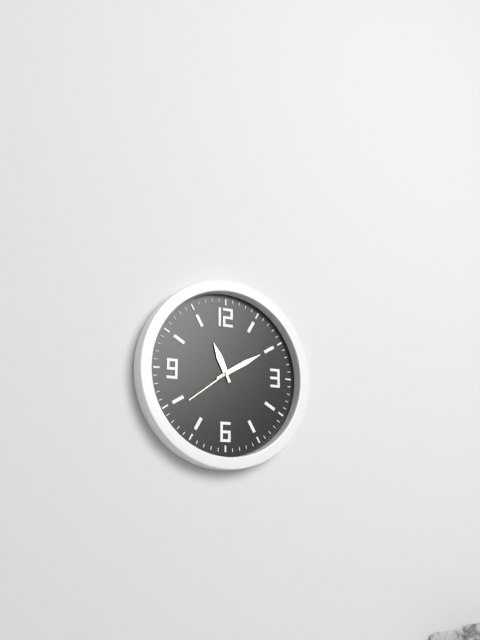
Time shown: h=11 m=10 s=39
